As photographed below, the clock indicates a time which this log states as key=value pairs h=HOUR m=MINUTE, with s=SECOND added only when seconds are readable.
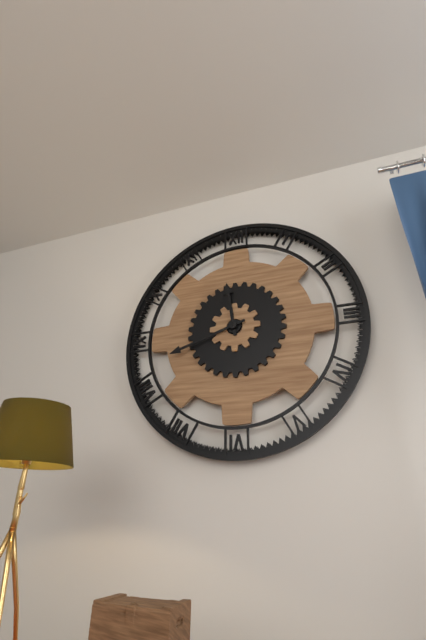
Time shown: h=11 m=42
